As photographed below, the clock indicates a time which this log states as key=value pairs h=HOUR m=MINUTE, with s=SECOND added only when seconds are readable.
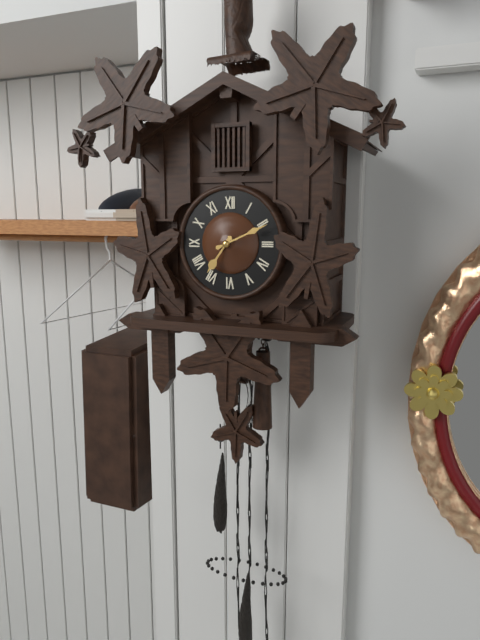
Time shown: h=7 m=11
